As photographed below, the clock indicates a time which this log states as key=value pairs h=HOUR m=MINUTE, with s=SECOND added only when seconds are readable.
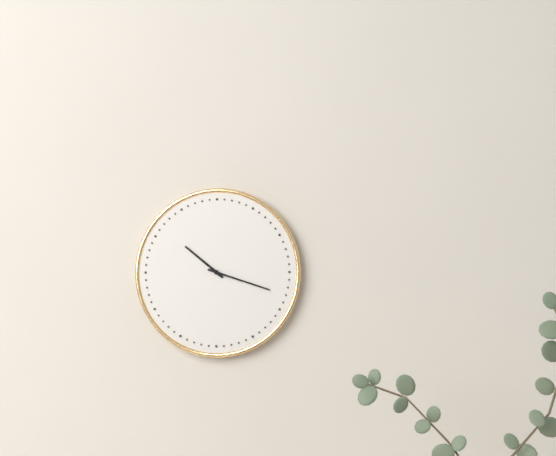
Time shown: h=10 m=18
